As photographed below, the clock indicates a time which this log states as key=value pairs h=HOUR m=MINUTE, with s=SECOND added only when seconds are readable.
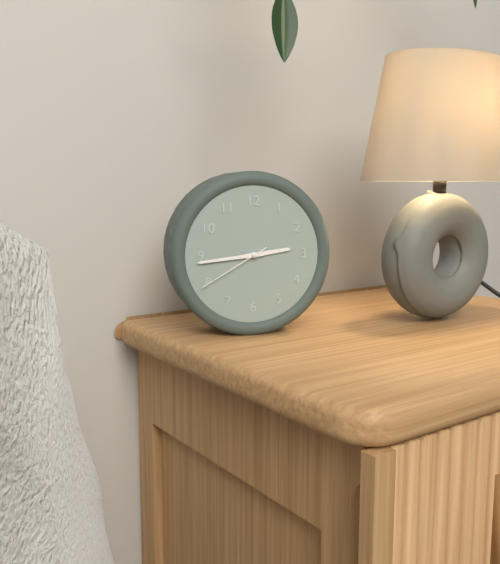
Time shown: h=2 m=44 s=40
